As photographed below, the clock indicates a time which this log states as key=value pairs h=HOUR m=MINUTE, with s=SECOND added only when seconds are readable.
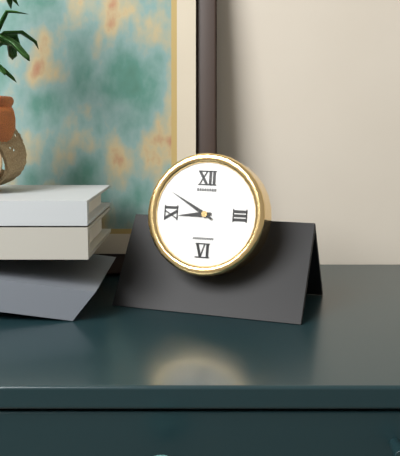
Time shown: h=8 m=50
